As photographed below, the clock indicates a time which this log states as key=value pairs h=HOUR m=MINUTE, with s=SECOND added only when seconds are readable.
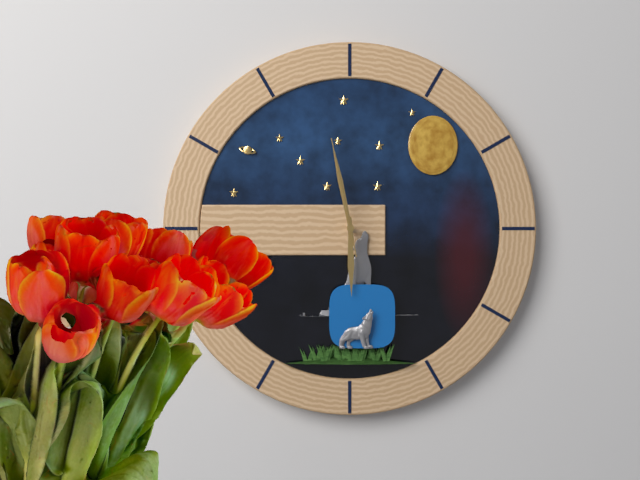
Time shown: h=5 m=58 s=58
